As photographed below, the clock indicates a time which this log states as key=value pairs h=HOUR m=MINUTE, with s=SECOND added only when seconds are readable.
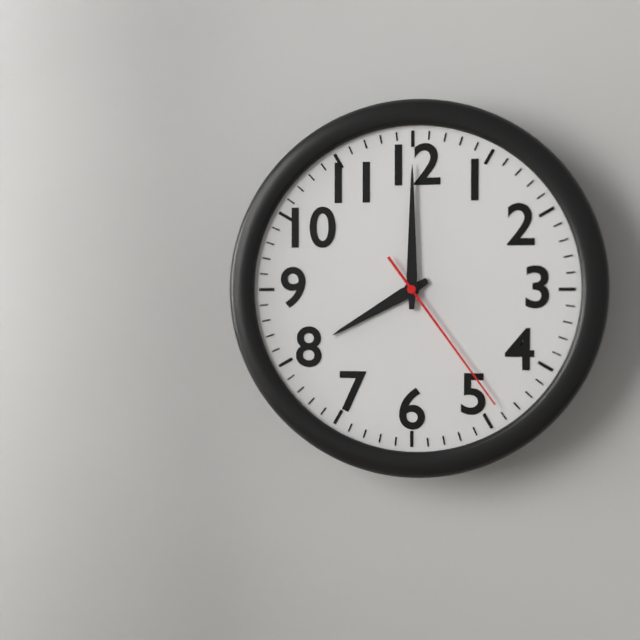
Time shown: h=8 m=0 s=24
